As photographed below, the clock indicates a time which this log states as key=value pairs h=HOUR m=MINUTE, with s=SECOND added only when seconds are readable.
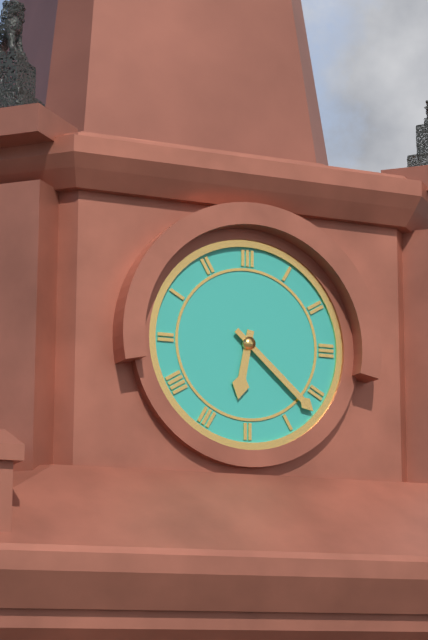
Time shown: h=6 m=22
